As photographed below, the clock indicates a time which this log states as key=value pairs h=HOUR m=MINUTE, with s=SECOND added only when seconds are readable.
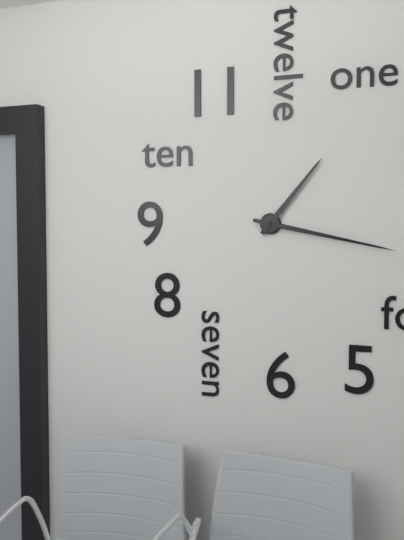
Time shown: h=1 m=17
